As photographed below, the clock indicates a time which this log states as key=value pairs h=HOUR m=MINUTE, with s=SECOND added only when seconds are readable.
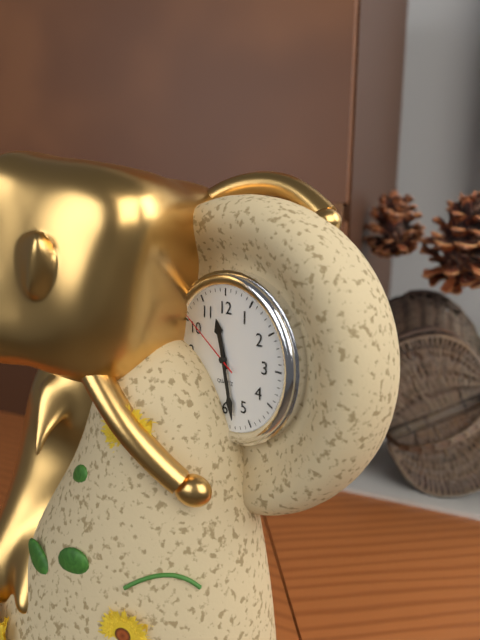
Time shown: h=11 m=28 s=51
